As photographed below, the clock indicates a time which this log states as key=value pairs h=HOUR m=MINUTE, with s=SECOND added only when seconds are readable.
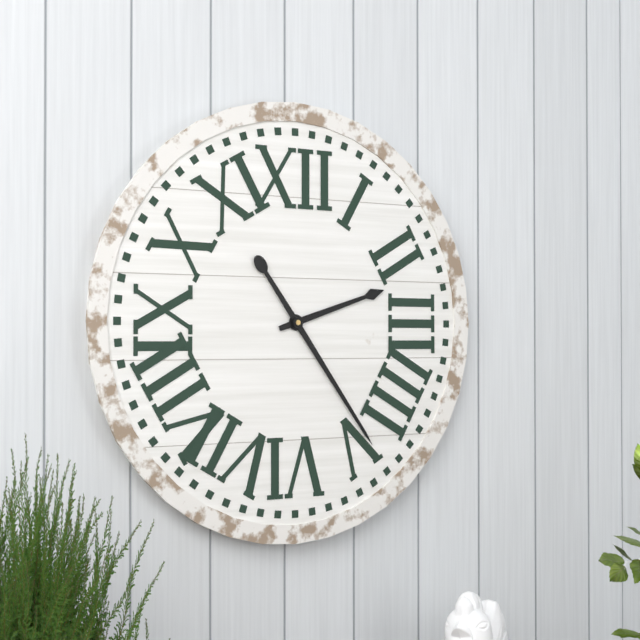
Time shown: h=2 m=24
